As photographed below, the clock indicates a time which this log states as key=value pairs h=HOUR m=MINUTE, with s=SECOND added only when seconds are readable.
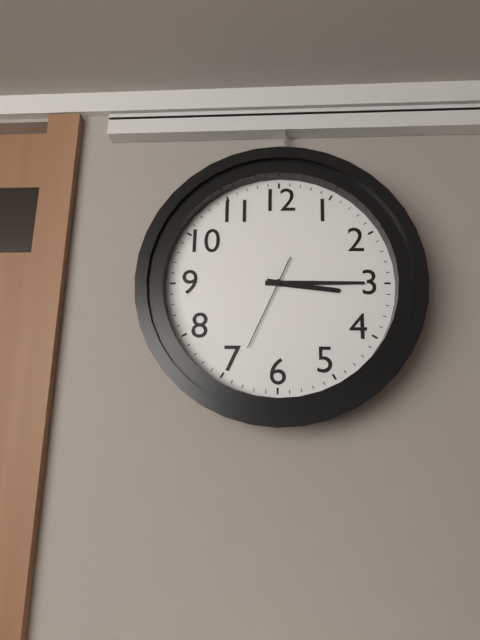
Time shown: h=3 m=15 s=34
